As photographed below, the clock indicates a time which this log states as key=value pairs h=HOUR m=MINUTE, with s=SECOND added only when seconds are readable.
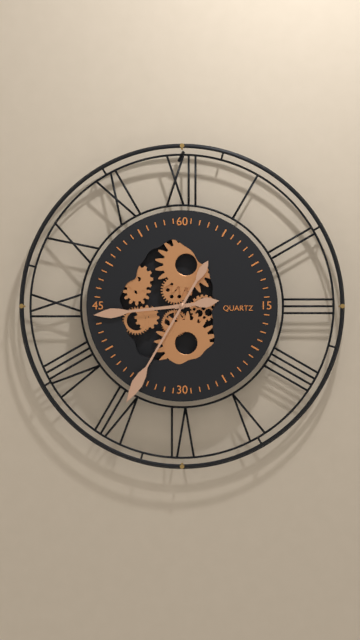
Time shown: h=2 m=44 s=35
